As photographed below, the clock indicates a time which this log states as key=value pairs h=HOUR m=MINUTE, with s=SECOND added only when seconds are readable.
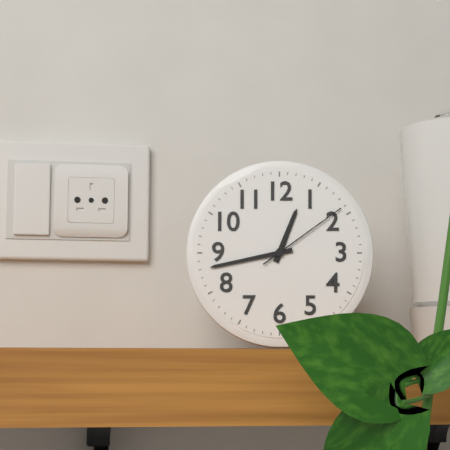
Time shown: h=12 m=43 s=9
